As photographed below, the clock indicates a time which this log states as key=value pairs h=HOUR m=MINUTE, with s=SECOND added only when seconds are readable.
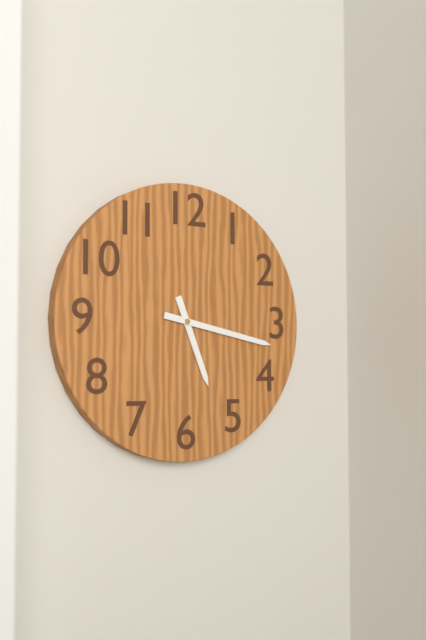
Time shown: h=5 m=17
